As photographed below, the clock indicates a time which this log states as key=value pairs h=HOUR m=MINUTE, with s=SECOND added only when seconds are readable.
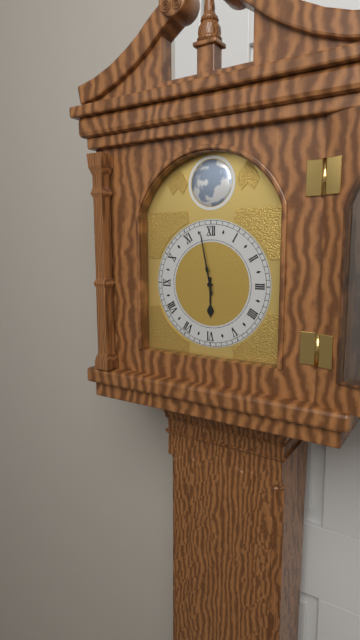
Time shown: h=5 m=58
